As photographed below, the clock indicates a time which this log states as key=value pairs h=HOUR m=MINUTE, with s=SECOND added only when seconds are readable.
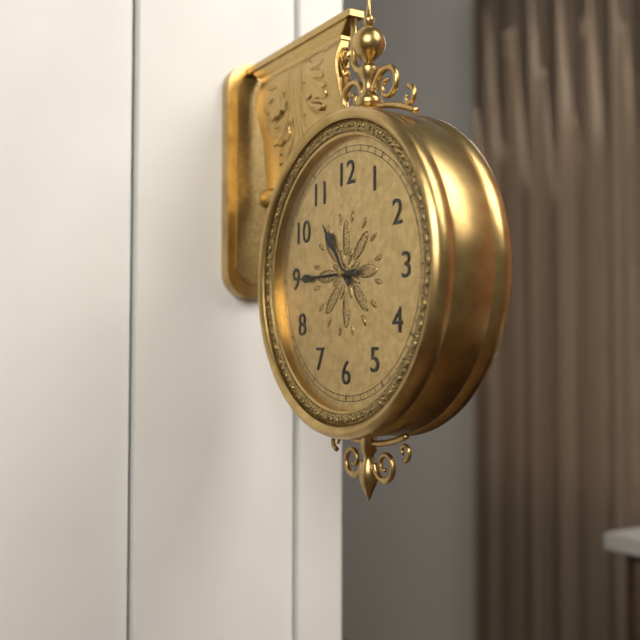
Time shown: h=10 m=45 s=45
